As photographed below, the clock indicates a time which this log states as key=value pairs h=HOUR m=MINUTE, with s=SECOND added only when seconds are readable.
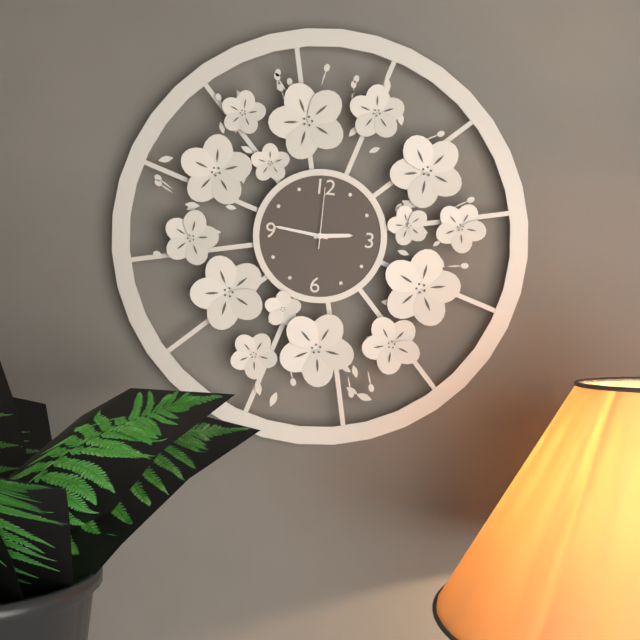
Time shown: h=2 m=46 s=0
